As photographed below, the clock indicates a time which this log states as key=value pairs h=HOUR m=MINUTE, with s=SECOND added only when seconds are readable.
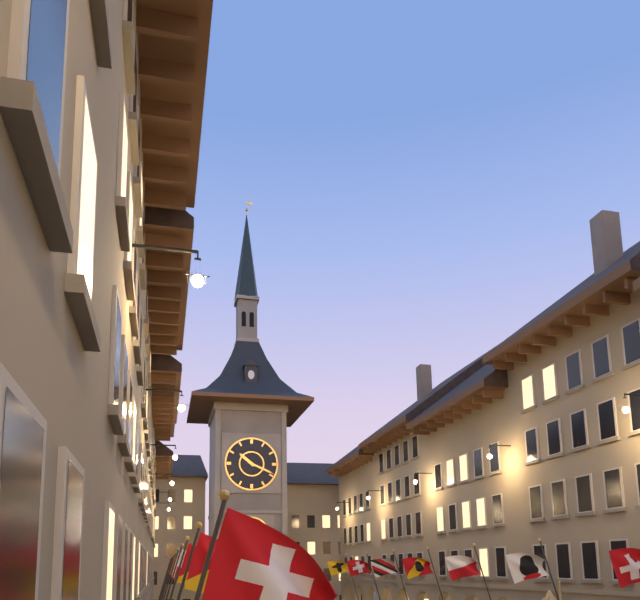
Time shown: h=10 m=19
